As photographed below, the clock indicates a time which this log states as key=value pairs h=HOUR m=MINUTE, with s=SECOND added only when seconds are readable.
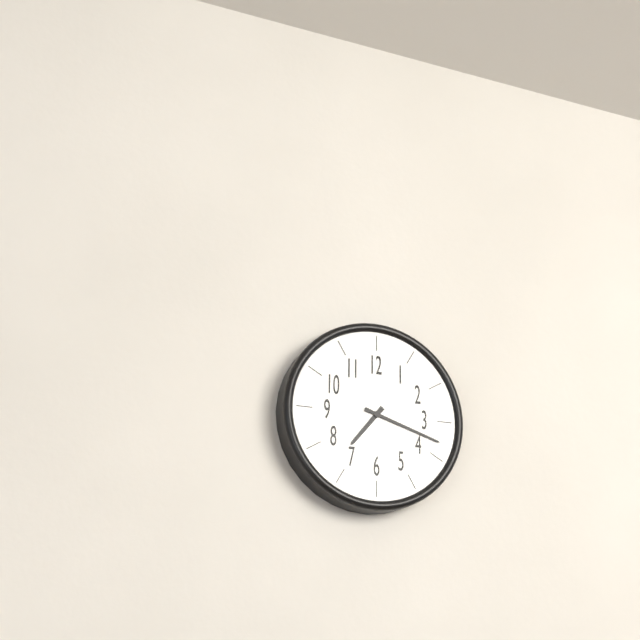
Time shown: h=7 m=18
